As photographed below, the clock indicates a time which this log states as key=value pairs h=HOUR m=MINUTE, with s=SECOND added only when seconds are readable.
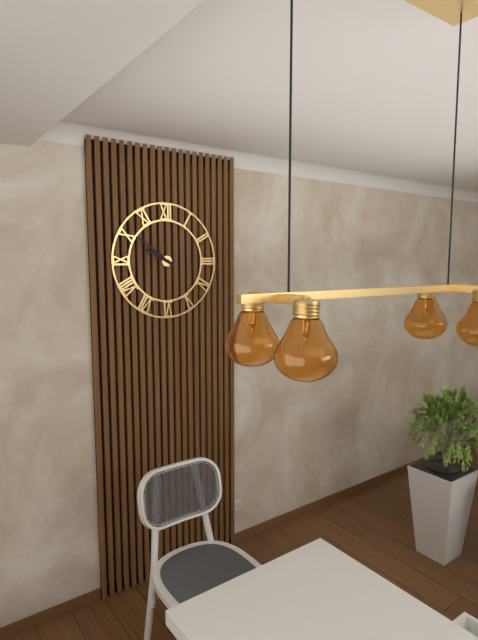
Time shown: h=9 m=51
